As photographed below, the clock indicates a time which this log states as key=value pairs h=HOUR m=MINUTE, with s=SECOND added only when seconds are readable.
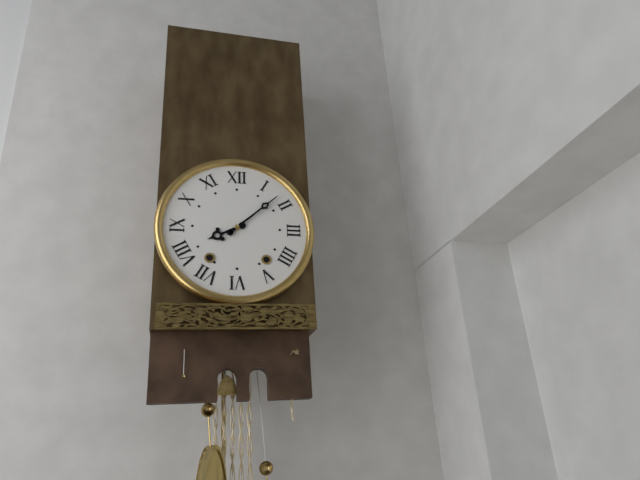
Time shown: h=8 m=8
